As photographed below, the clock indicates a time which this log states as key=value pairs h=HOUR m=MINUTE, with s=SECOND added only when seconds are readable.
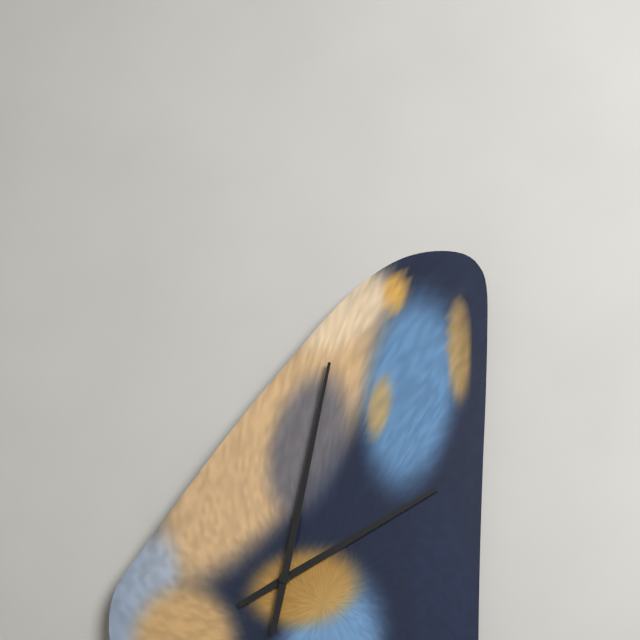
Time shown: h=2 m=2
